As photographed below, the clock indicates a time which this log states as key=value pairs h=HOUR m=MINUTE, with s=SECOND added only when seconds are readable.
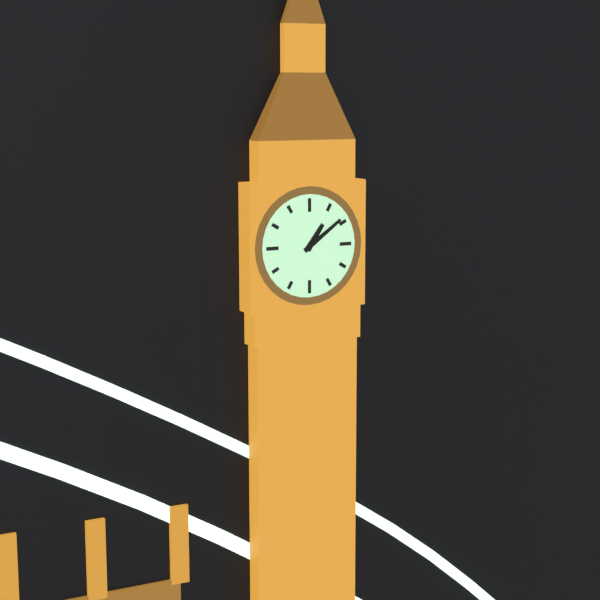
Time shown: h=1 m=9
